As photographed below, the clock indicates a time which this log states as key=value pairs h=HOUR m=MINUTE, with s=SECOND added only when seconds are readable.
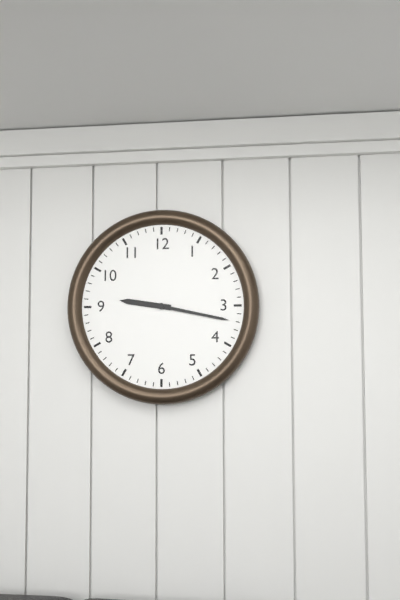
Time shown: h=9 m=17
